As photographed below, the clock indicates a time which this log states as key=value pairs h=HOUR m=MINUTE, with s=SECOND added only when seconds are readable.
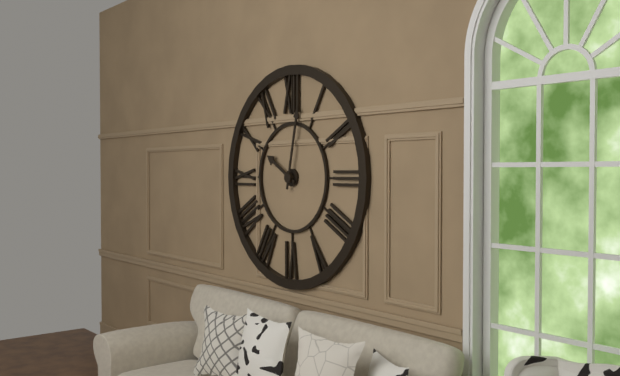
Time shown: h=10 m=2
